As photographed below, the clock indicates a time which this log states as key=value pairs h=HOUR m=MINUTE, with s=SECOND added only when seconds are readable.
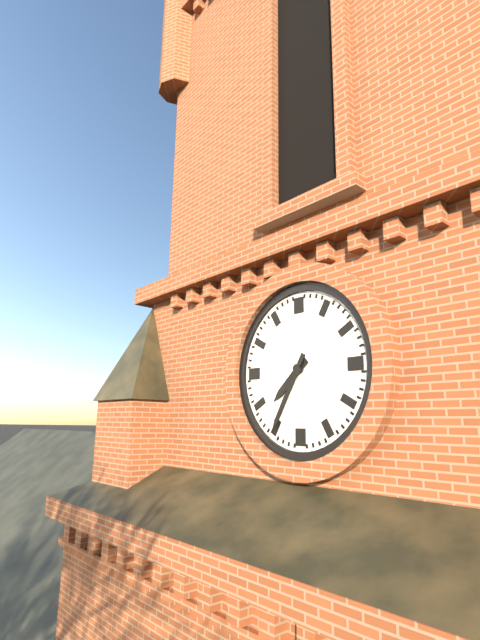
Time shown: h=7 m=35
